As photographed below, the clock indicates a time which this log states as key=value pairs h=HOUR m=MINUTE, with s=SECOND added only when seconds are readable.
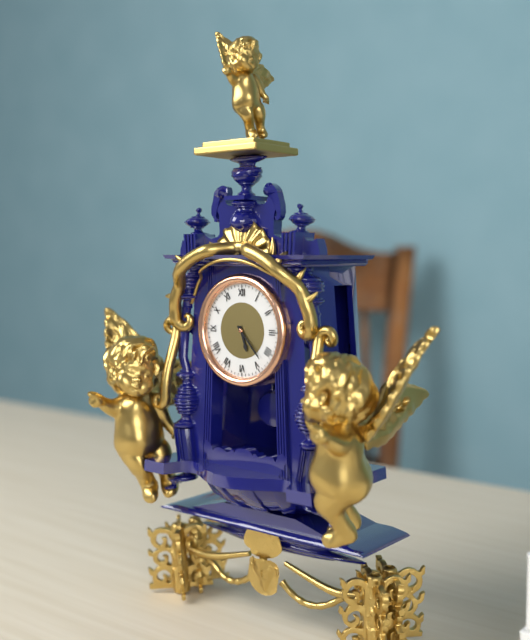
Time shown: h=5 m=23
